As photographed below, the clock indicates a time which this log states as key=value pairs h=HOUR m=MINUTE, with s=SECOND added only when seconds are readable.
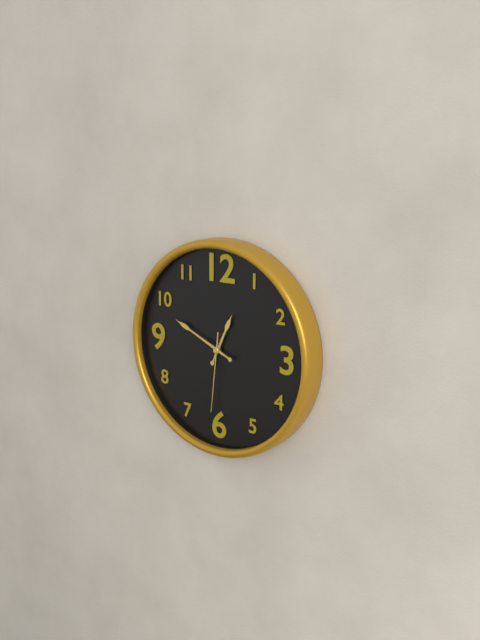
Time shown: h=12 m=49 s=31
